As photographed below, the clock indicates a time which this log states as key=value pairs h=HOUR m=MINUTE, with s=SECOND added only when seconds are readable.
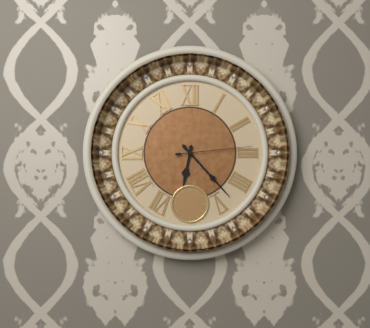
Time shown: h=6 m=23 s=14
